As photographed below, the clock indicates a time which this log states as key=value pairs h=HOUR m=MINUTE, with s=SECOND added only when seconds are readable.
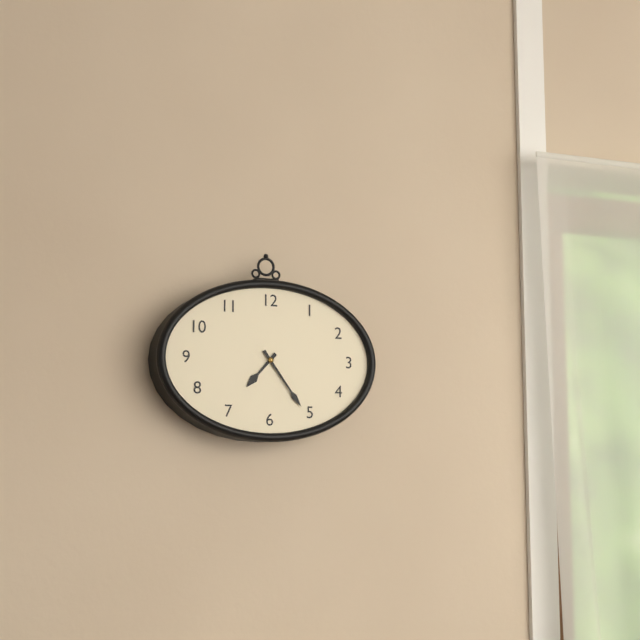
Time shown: h=7 m=24
